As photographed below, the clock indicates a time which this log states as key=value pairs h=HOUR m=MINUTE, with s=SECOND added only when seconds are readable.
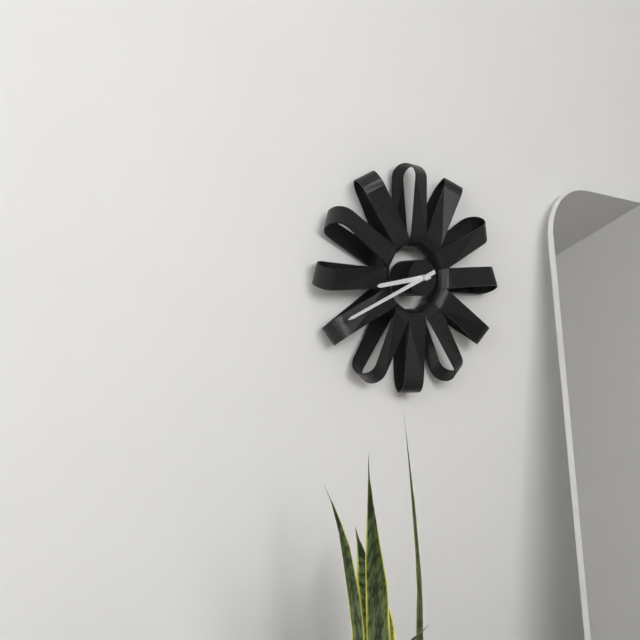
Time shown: h=8 m=41
